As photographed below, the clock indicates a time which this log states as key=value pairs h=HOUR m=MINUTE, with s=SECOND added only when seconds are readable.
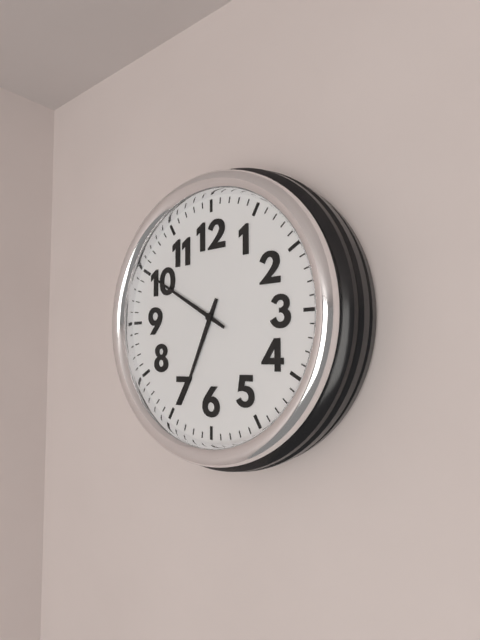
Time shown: h=6 m=50
